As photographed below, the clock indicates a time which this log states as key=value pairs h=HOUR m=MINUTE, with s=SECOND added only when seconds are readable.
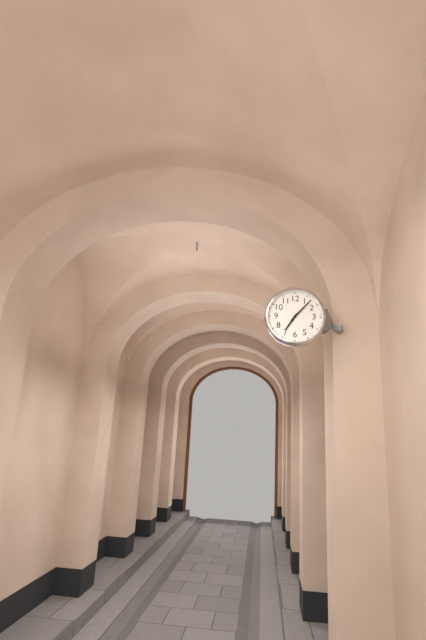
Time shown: h=7 m=7
